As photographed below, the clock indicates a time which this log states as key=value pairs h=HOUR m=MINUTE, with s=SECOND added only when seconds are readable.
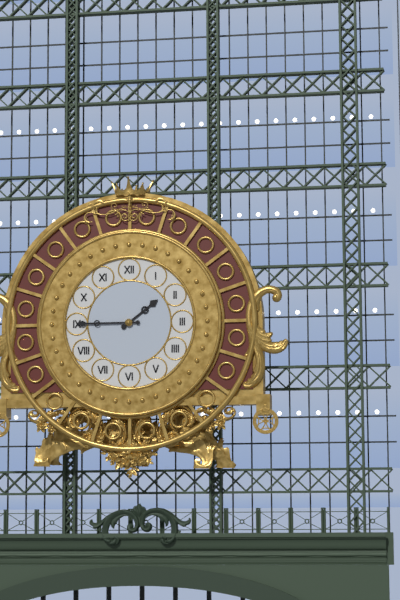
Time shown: h=1 m=45
